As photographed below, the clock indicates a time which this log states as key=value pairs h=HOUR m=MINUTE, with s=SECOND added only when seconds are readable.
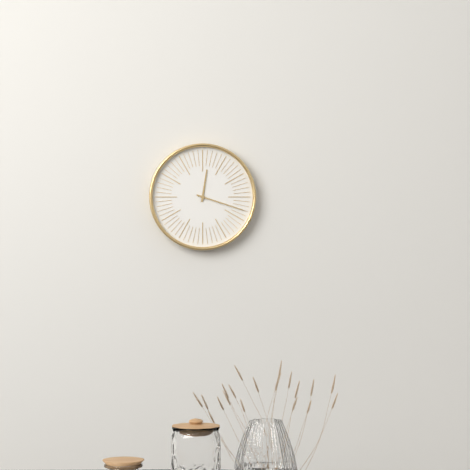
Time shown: h=12 m=18
